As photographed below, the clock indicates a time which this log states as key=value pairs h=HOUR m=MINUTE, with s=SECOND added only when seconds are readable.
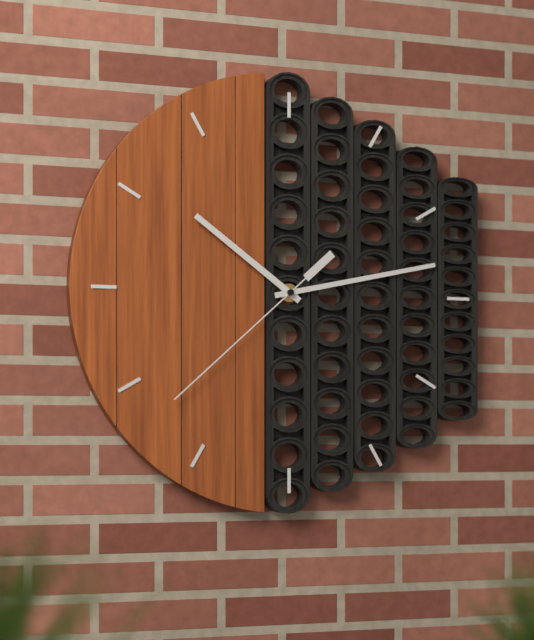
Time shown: h=10 m=13 s=38
